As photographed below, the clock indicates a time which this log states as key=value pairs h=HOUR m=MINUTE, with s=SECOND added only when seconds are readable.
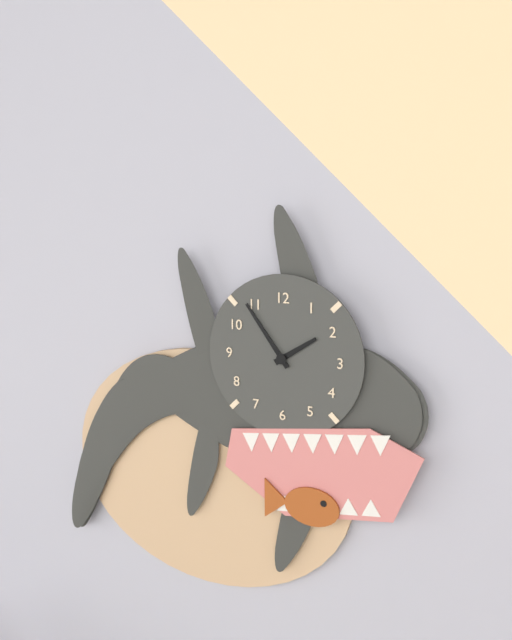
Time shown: h=1 m=54
